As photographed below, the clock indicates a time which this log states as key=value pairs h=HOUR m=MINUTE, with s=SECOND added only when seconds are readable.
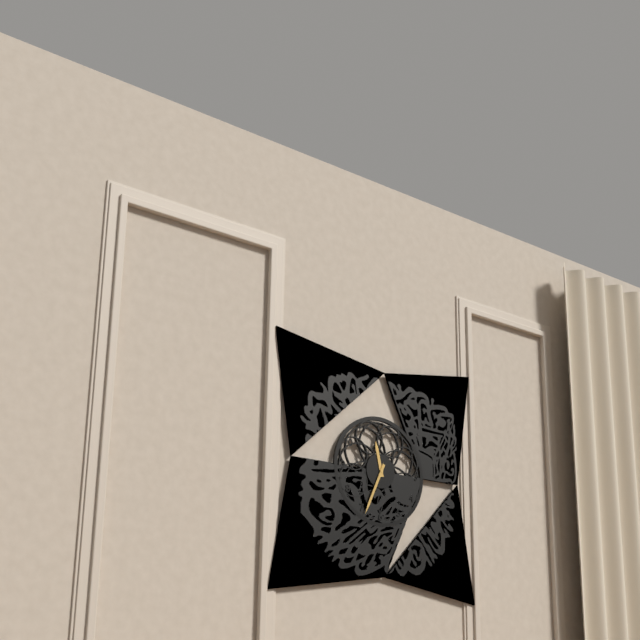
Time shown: h=11 m=34
